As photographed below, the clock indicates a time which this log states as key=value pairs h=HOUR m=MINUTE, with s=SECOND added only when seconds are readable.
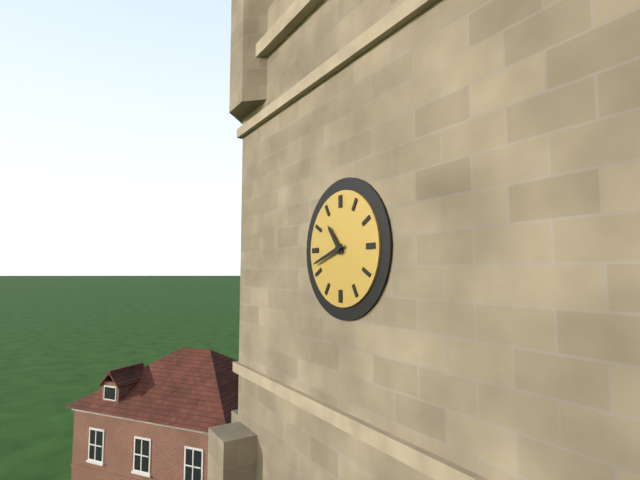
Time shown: h=10 m=42
